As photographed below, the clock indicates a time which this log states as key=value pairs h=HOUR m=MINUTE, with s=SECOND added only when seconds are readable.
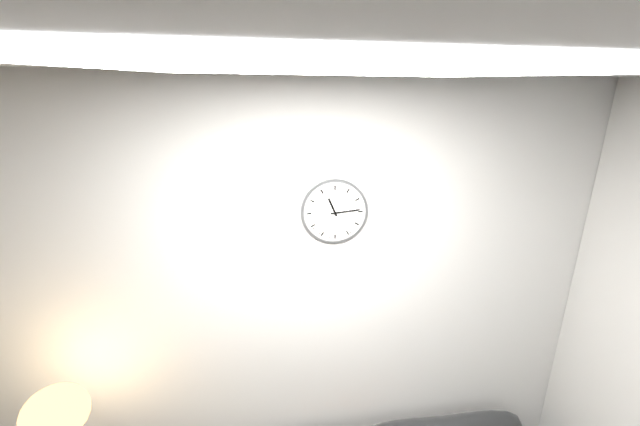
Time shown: h=11 m=14
